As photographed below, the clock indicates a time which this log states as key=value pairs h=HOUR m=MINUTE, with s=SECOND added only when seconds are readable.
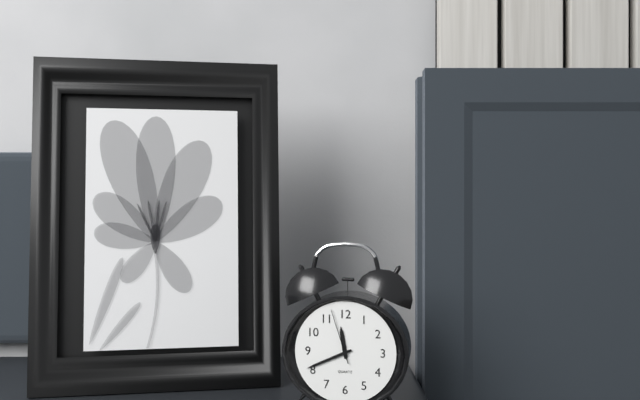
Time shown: h=11 m=41 s=57
